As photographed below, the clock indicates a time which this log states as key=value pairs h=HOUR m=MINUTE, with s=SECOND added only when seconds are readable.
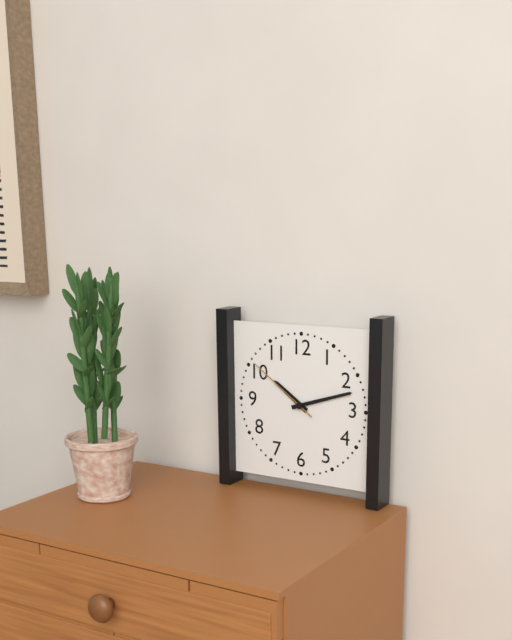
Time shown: h=10 m=12 s=51
